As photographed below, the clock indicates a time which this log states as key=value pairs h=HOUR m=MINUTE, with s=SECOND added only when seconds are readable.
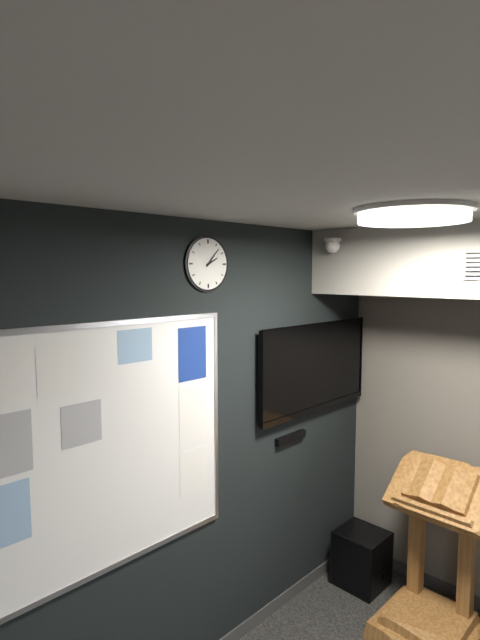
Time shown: h=2 m=7
